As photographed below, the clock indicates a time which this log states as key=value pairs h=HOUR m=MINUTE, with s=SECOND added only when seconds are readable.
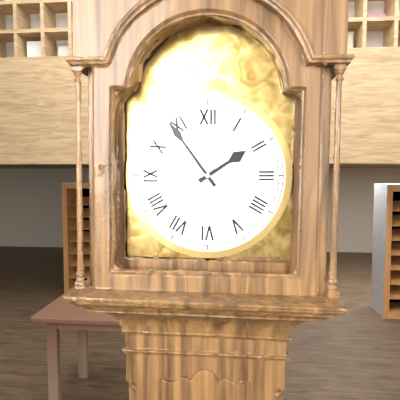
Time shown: h=1 m=54
